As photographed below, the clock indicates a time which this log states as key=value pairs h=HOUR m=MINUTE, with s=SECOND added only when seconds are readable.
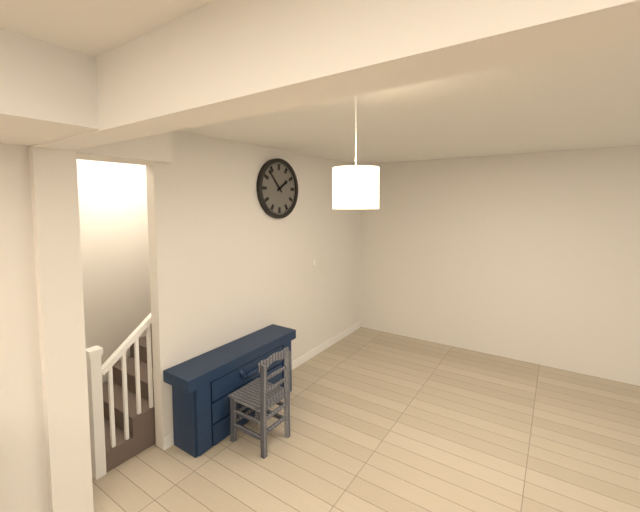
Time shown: h=1 m=53
